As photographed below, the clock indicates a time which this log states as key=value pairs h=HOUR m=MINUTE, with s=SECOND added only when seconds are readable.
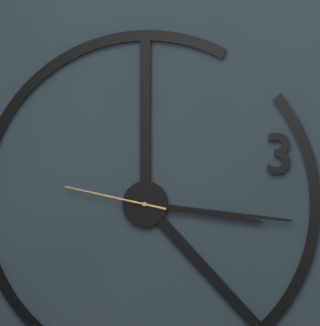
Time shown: h=3 m=16 s=47
